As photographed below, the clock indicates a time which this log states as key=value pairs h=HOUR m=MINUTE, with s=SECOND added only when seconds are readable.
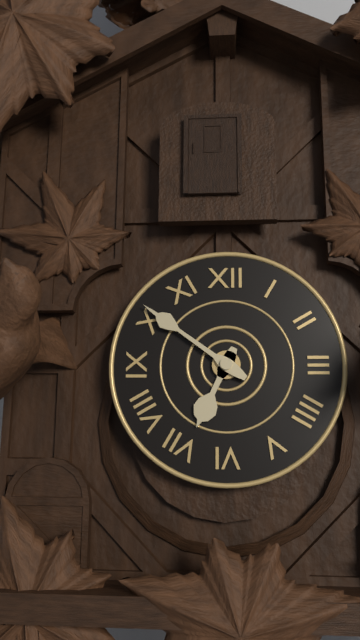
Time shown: h=6 m=51
